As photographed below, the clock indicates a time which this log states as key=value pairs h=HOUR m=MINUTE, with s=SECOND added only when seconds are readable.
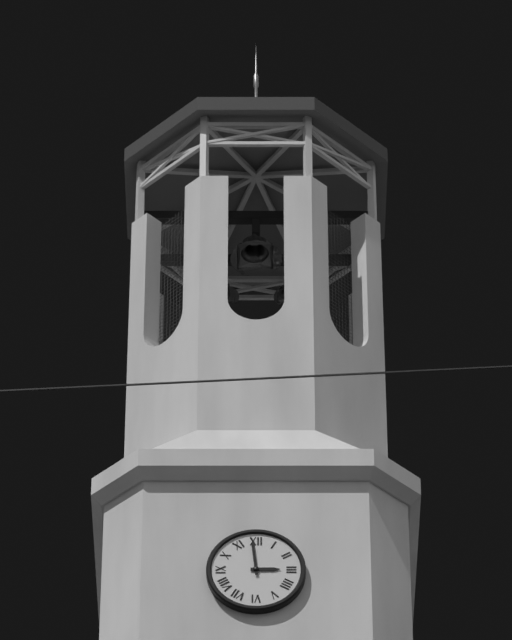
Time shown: h=2 m=59
